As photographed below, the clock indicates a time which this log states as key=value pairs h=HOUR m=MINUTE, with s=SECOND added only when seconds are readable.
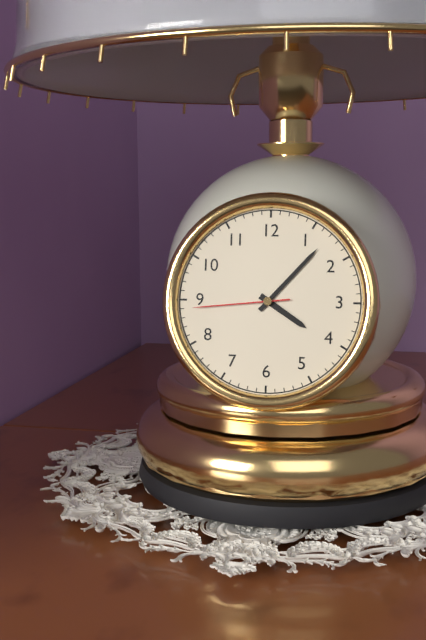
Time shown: h=4 m=7 s=44
